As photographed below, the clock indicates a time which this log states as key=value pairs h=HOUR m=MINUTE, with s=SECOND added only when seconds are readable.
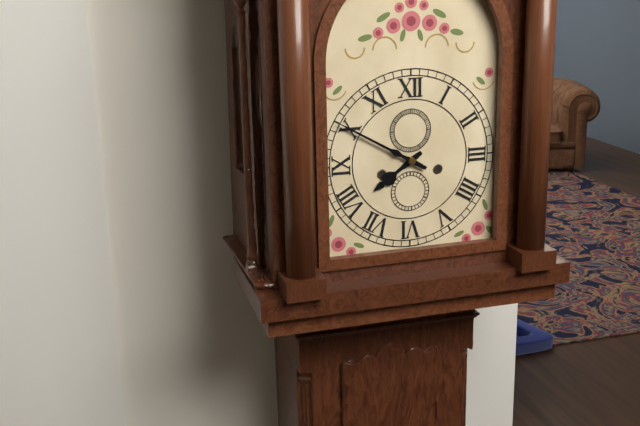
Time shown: h=7 m=50
